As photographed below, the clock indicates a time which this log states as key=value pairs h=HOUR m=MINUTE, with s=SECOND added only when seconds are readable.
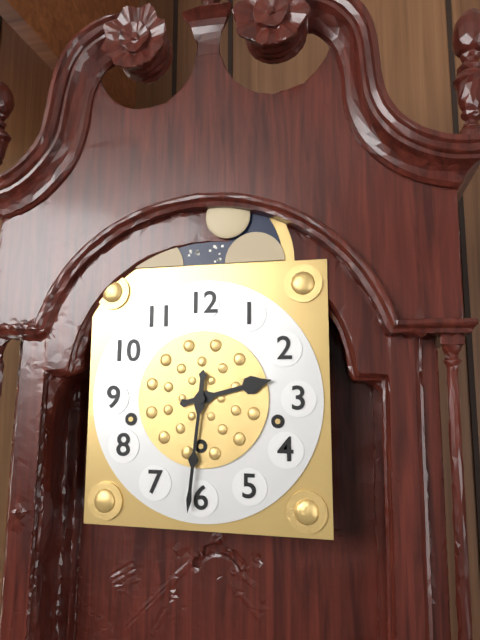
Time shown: h=2 m=31
